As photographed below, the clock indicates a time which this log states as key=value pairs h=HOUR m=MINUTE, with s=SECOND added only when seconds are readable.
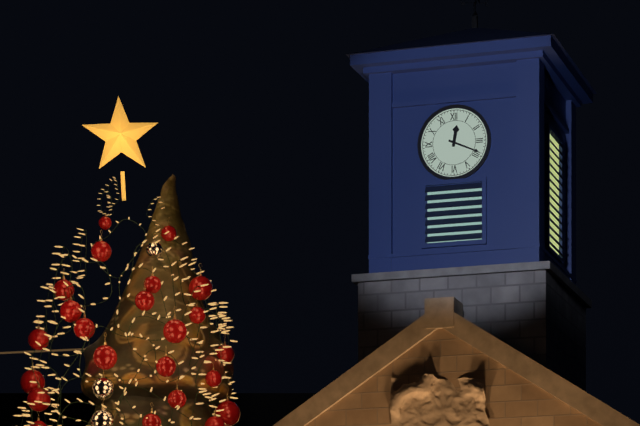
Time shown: h=12 m=19
